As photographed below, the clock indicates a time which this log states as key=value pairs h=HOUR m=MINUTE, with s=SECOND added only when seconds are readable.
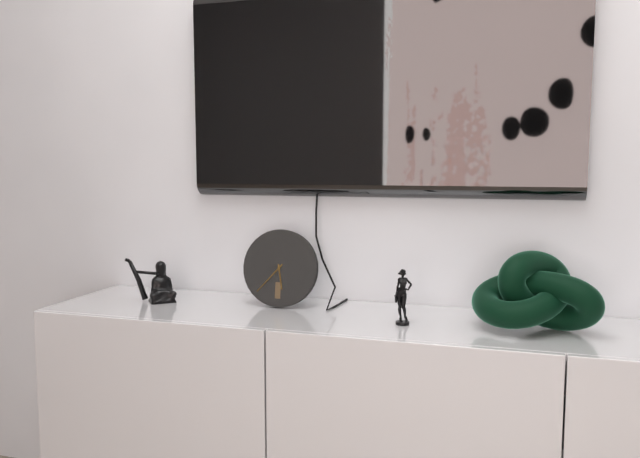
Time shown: h=5 m=37
